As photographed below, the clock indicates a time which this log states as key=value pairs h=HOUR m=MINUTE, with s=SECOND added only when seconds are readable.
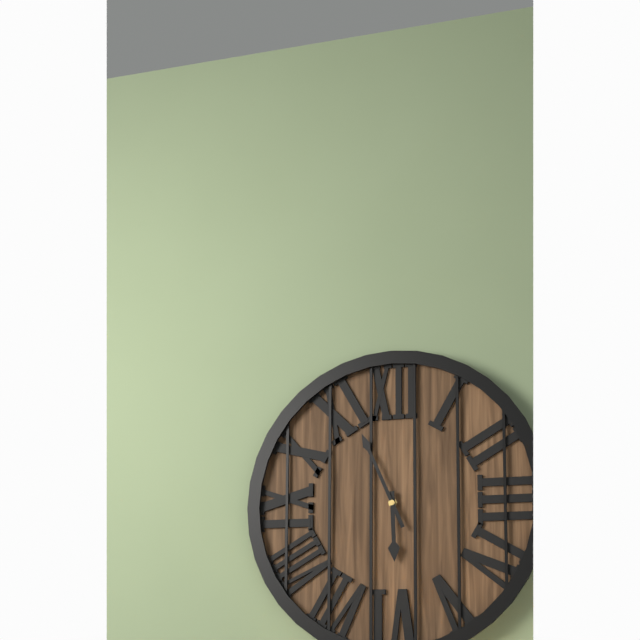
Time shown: h=5 m=56
